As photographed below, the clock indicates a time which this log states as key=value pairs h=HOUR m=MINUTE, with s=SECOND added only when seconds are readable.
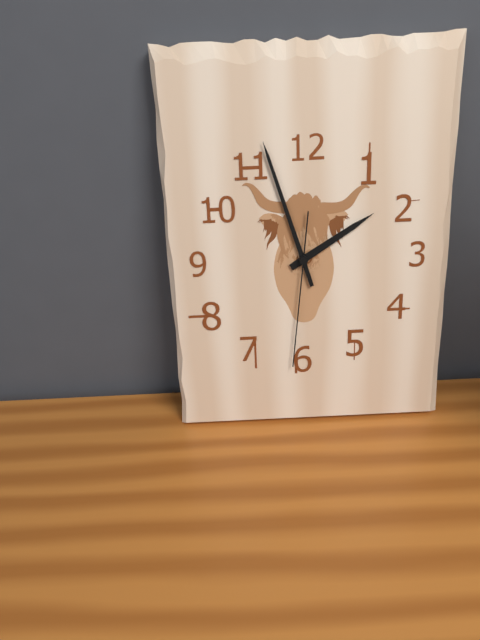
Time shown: h=1 m=57 s=31
